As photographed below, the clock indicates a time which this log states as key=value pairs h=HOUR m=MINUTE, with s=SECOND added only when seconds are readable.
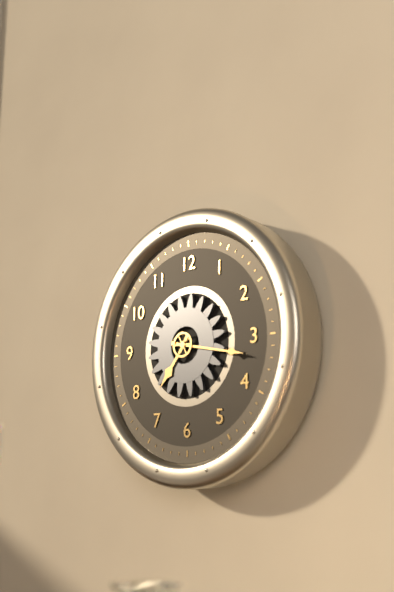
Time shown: h=7 m=17
